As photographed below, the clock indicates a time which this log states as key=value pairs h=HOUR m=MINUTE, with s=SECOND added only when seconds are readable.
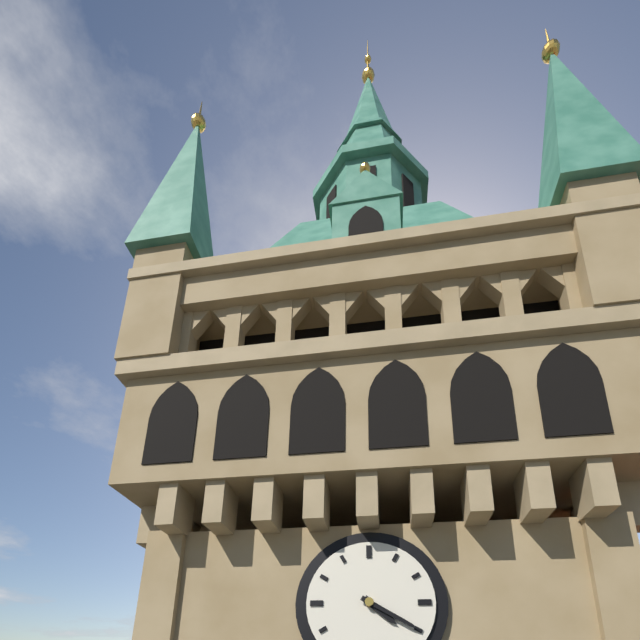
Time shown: h=4 m=20
